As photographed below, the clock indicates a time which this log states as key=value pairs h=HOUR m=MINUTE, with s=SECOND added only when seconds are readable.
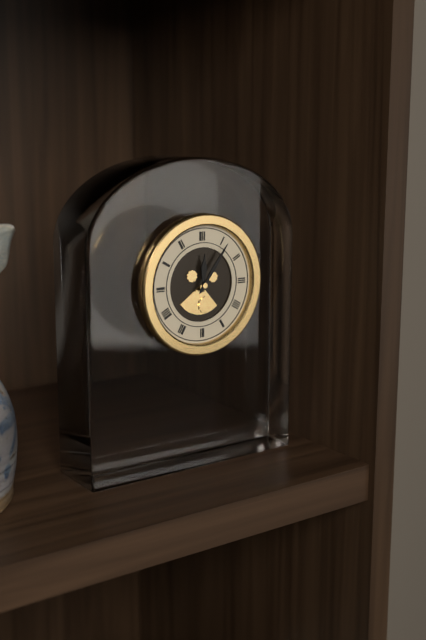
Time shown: h=12 m=6
